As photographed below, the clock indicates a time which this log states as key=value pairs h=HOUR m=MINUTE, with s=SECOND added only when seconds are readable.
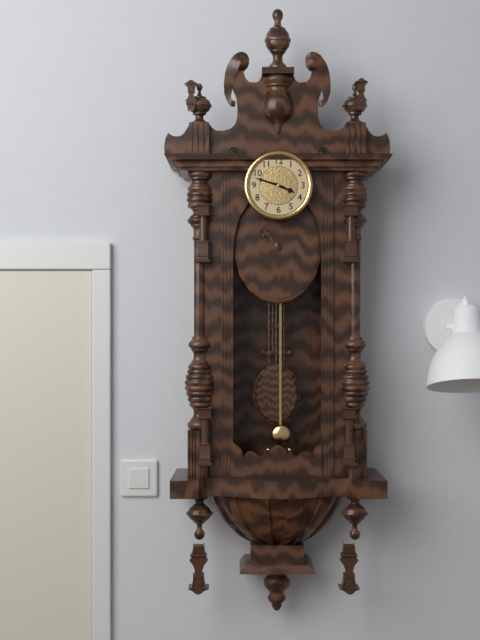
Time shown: h=3 m=48
